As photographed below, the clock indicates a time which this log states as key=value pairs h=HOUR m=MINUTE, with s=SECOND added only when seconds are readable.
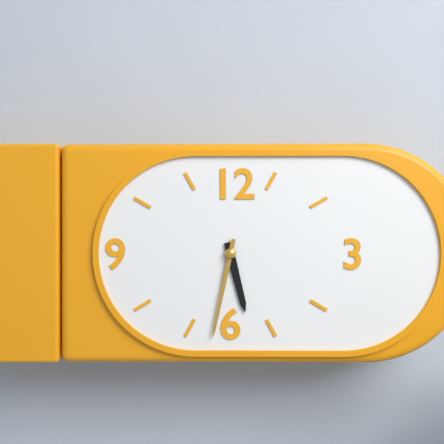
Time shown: h=5 m=32
